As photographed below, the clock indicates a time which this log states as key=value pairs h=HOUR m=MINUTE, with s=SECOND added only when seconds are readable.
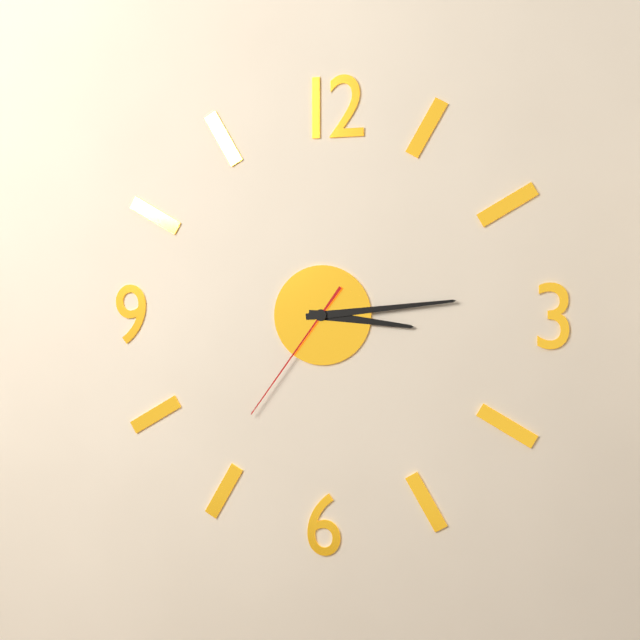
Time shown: h=3 m=14 s=36
